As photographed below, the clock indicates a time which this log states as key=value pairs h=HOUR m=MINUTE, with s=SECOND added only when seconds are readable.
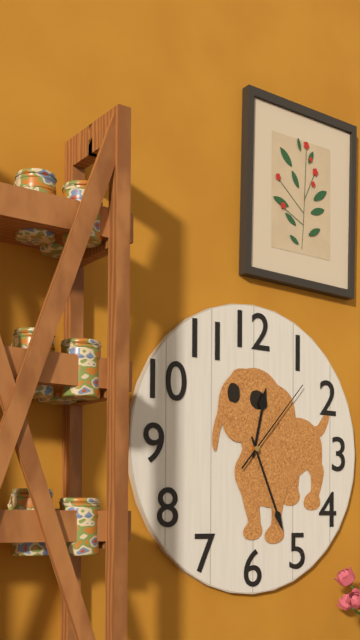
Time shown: h=12 m=26 s=7
